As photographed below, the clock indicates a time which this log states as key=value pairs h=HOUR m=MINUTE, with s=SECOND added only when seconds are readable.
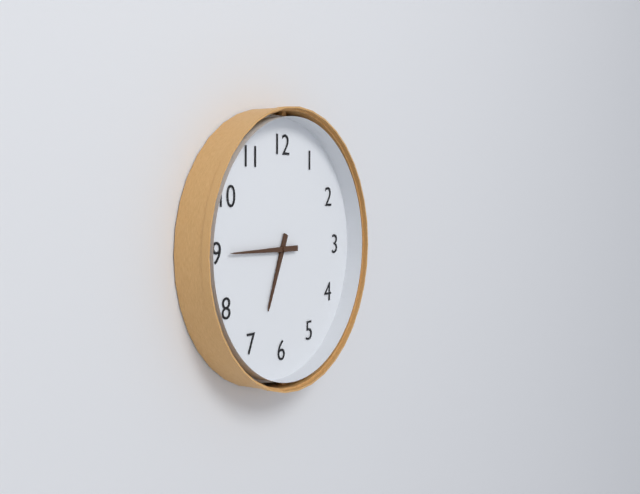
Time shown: h=6 m=45
